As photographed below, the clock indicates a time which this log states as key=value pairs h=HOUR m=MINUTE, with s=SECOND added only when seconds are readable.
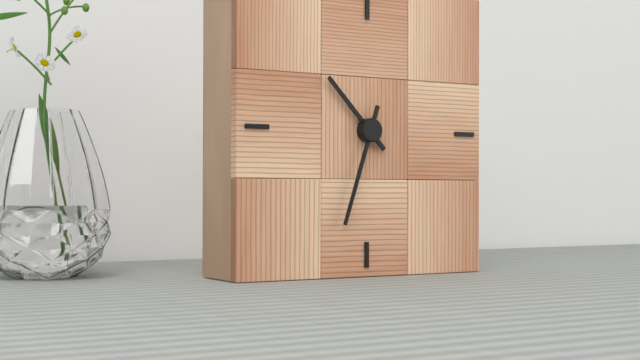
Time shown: h=10 m=33
